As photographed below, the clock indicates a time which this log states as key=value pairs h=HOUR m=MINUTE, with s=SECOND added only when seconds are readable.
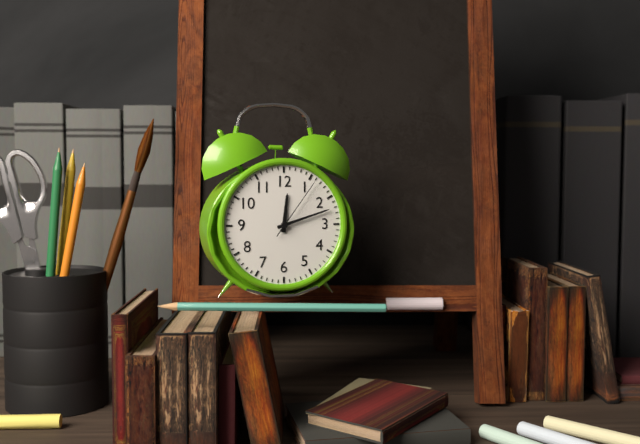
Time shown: h=12 m=12 s=6
